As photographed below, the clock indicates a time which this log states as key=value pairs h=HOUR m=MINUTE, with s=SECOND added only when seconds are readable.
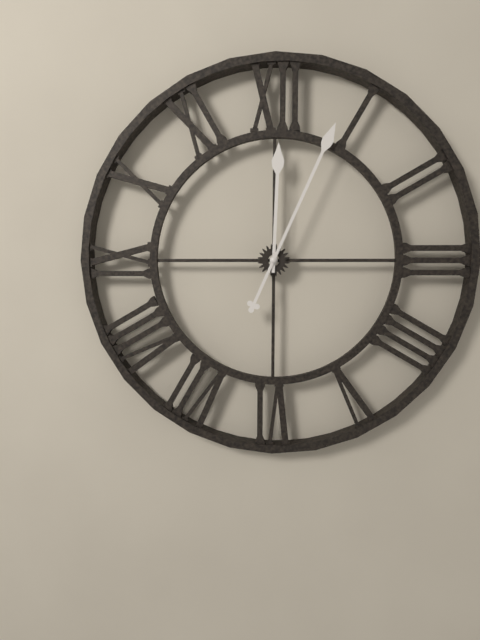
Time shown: h=12 m=4
